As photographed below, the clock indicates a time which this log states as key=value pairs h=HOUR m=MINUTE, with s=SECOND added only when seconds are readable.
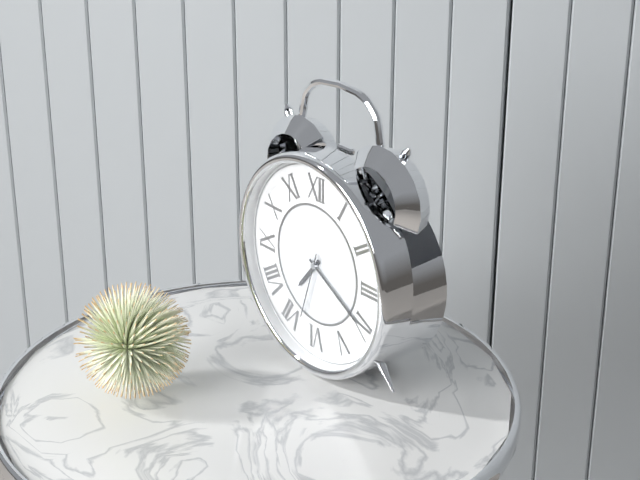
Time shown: h=7 m=20 s=33
